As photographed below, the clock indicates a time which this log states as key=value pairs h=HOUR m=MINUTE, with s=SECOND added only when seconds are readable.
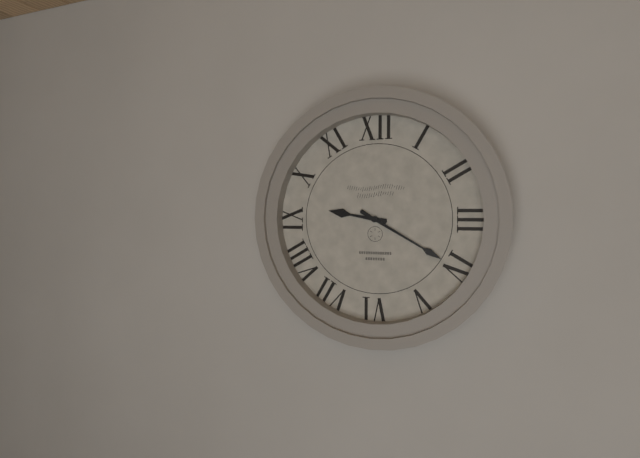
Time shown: h=9 m=20
